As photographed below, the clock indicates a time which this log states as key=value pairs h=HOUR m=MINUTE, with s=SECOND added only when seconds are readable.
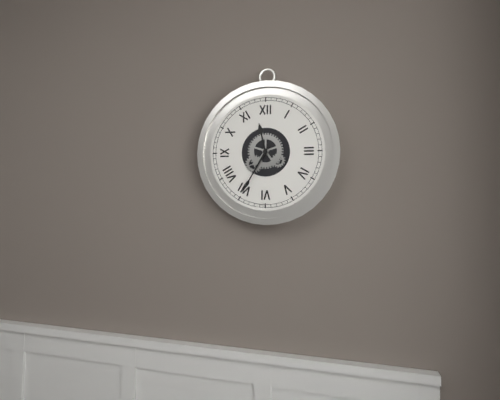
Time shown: h=11 m=35
